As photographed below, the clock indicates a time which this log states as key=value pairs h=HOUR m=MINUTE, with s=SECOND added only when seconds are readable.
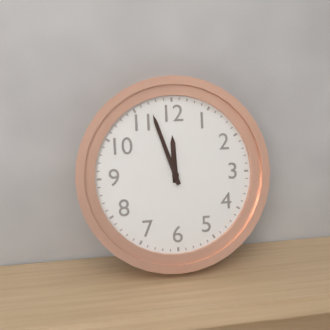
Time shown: h=11 m=57
